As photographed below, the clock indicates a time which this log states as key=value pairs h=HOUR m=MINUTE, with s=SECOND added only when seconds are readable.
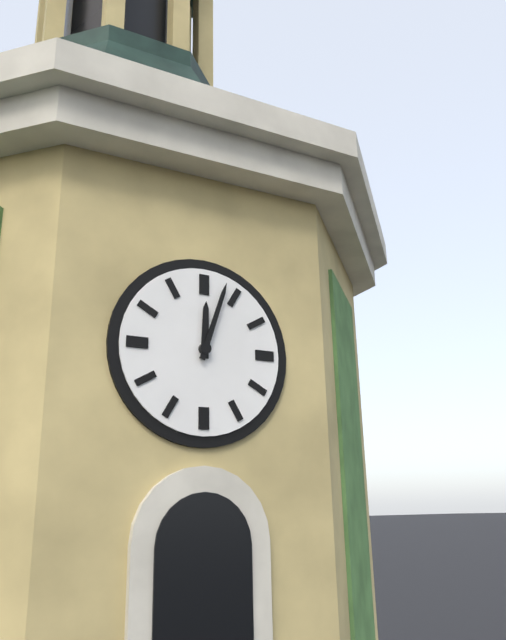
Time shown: h=12 m=3
